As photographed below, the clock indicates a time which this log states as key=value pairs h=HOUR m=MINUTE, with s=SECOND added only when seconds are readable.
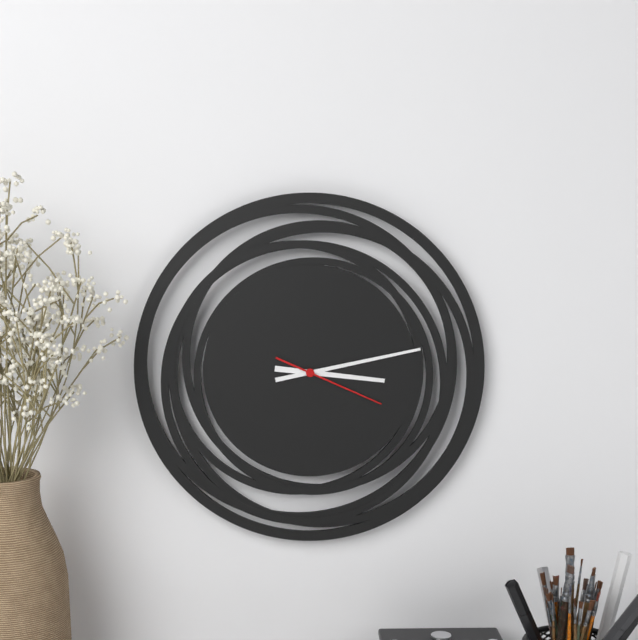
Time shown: h=3 m=13 s=19
